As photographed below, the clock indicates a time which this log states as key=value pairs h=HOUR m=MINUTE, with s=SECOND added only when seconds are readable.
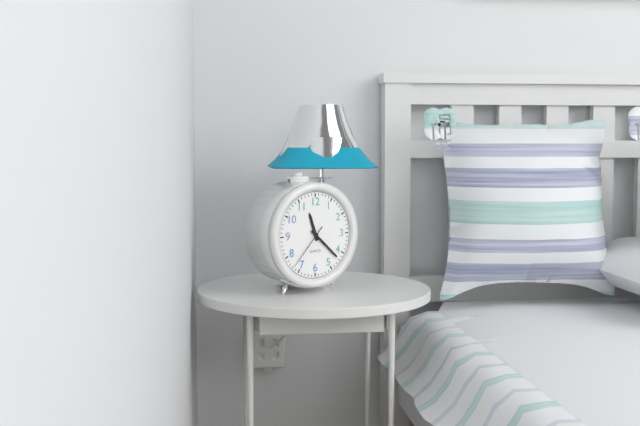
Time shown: h=11 m=22
